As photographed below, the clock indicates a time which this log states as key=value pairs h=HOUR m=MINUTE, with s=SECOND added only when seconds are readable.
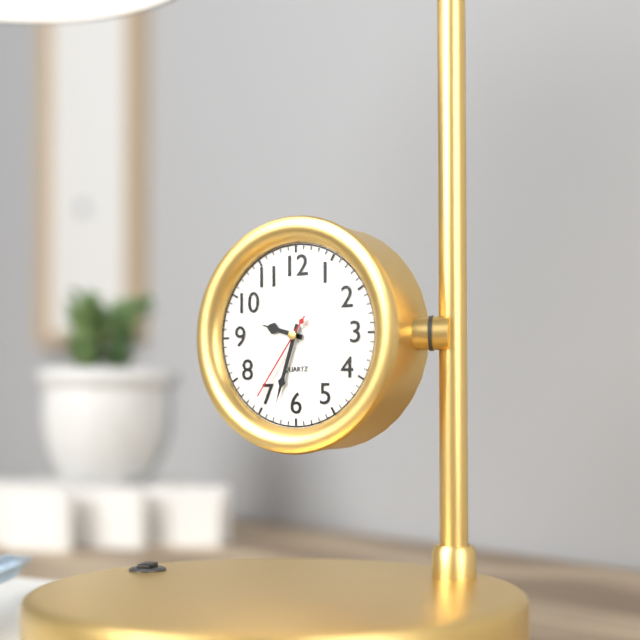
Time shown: h=9 m=33 s=36
